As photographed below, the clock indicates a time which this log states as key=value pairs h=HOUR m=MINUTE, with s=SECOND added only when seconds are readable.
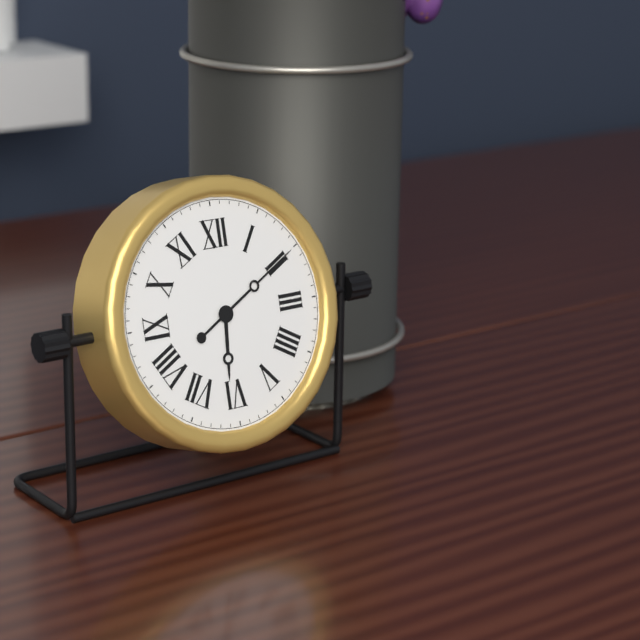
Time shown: h=6 m=10
